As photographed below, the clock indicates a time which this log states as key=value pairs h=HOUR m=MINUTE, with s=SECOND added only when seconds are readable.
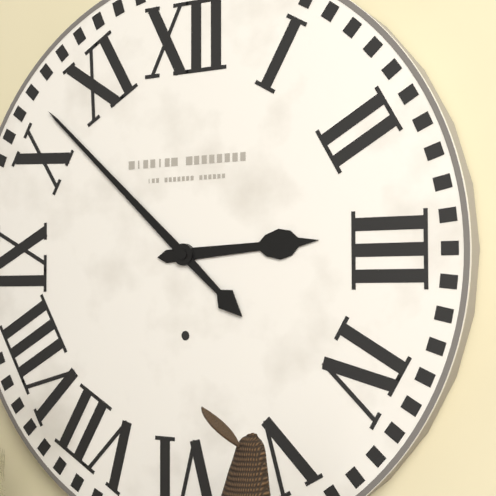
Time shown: h=2 m=52
